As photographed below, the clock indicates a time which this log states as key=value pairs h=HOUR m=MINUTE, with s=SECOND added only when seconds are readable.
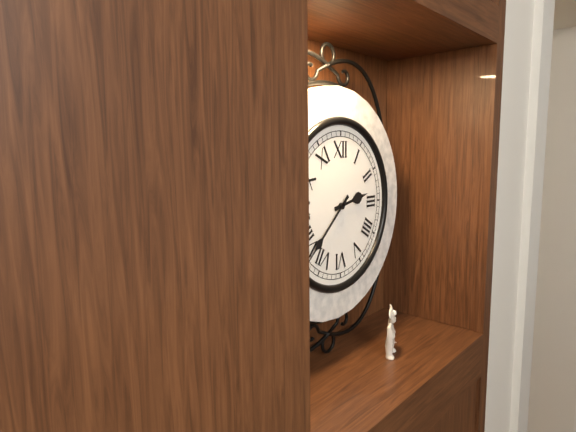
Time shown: h=2 m=38
